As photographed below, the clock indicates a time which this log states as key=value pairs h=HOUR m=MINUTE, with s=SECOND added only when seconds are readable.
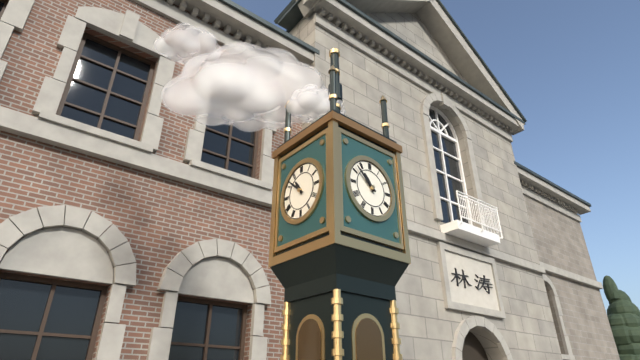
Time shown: h=10 m=52
